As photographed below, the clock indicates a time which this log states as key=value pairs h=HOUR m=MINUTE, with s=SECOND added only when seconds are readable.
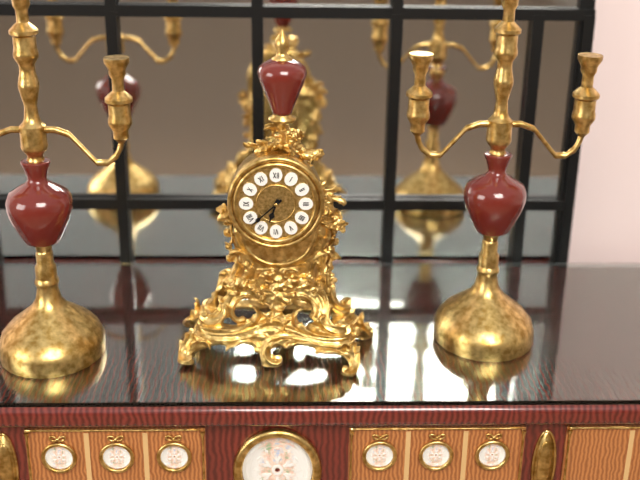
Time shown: h=6 m=38
